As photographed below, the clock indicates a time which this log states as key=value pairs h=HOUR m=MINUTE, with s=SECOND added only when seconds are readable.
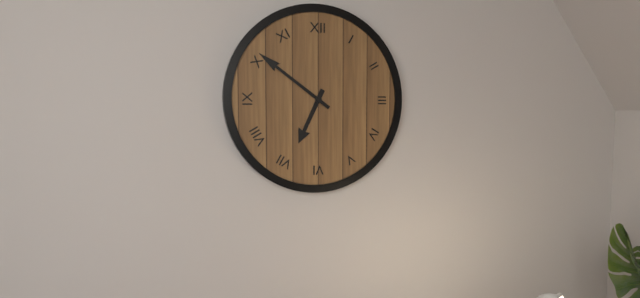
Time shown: h=6 m=51
